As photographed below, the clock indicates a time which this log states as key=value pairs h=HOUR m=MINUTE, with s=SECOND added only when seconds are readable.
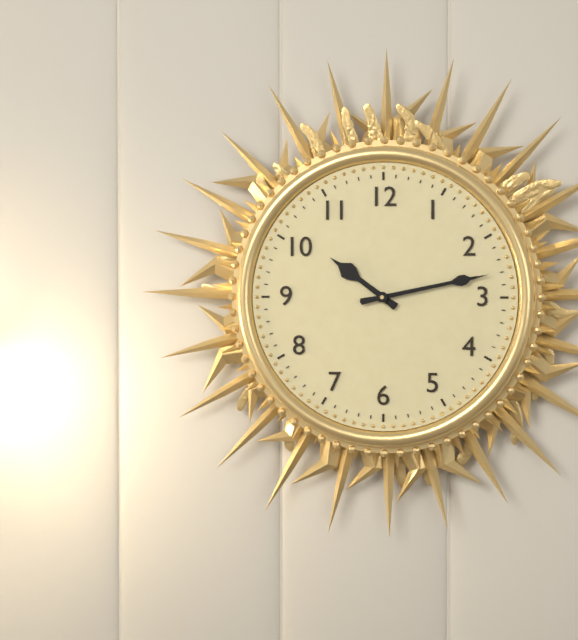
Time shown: h=10 m=13
